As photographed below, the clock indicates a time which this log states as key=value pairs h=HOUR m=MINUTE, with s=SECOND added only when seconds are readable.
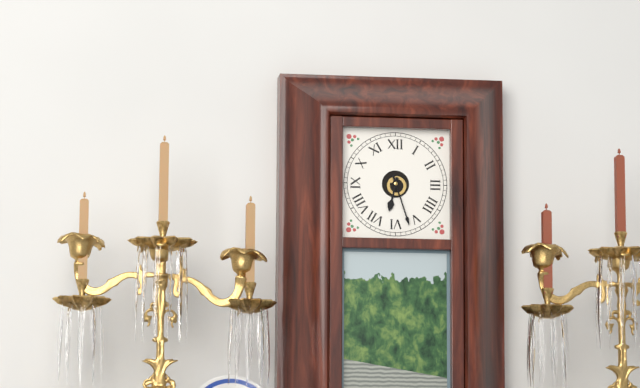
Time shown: h=6 m=27
